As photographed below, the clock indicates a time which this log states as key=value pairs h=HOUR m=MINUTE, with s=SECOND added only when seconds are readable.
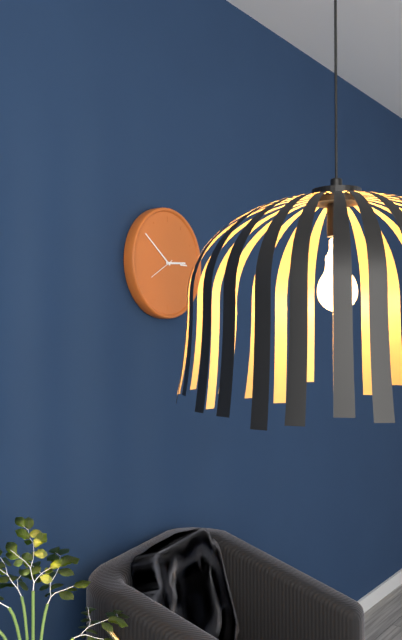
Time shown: h=2 m=51
